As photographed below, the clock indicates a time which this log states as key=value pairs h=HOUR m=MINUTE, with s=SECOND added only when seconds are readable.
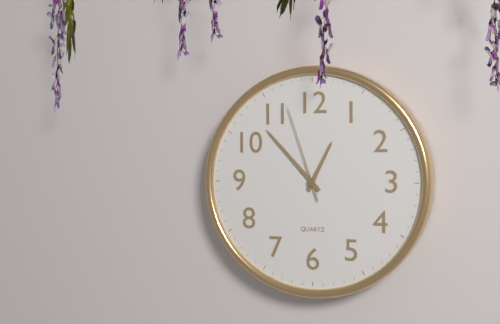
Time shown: h=12 m=53 s=57
